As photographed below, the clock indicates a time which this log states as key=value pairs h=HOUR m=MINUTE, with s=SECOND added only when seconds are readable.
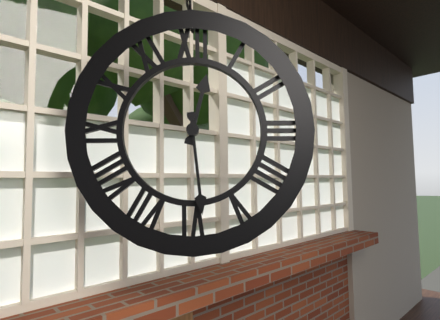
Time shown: h=12 m=29
